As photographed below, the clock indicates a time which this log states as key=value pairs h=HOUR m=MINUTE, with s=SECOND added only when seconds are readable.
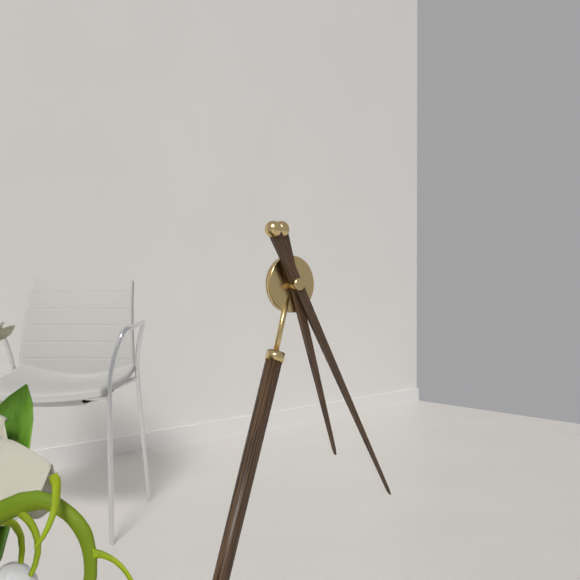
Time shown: h=5 m=25
